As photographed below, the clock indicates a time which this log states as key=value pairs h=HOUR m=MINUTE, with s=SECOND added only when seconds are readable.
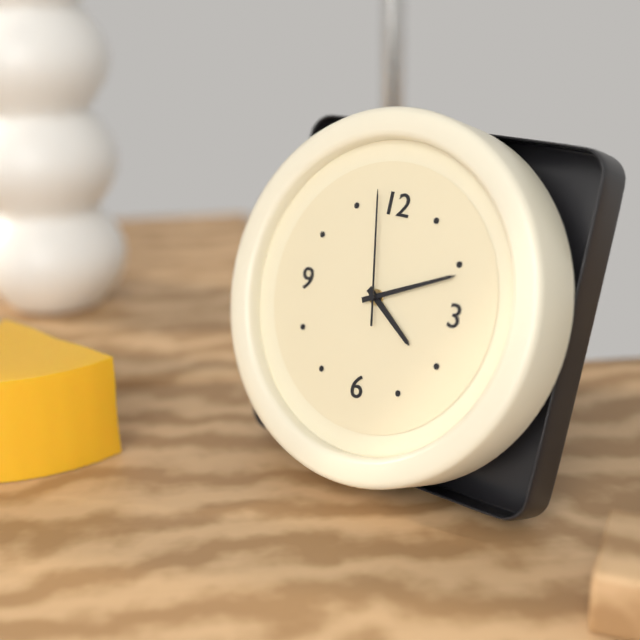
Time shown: h=4 m=11 s=58
